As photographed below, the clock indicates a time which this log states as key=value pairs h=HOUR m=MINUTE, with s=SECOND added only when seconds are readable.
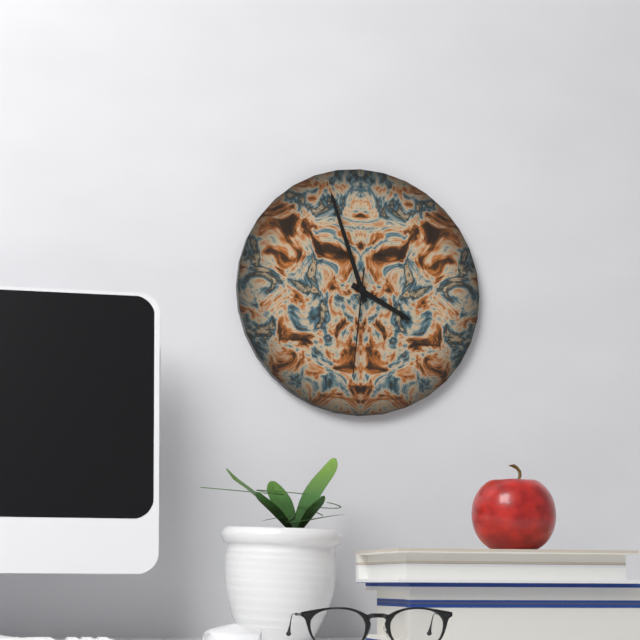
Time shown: h=3 m=57 s=31
